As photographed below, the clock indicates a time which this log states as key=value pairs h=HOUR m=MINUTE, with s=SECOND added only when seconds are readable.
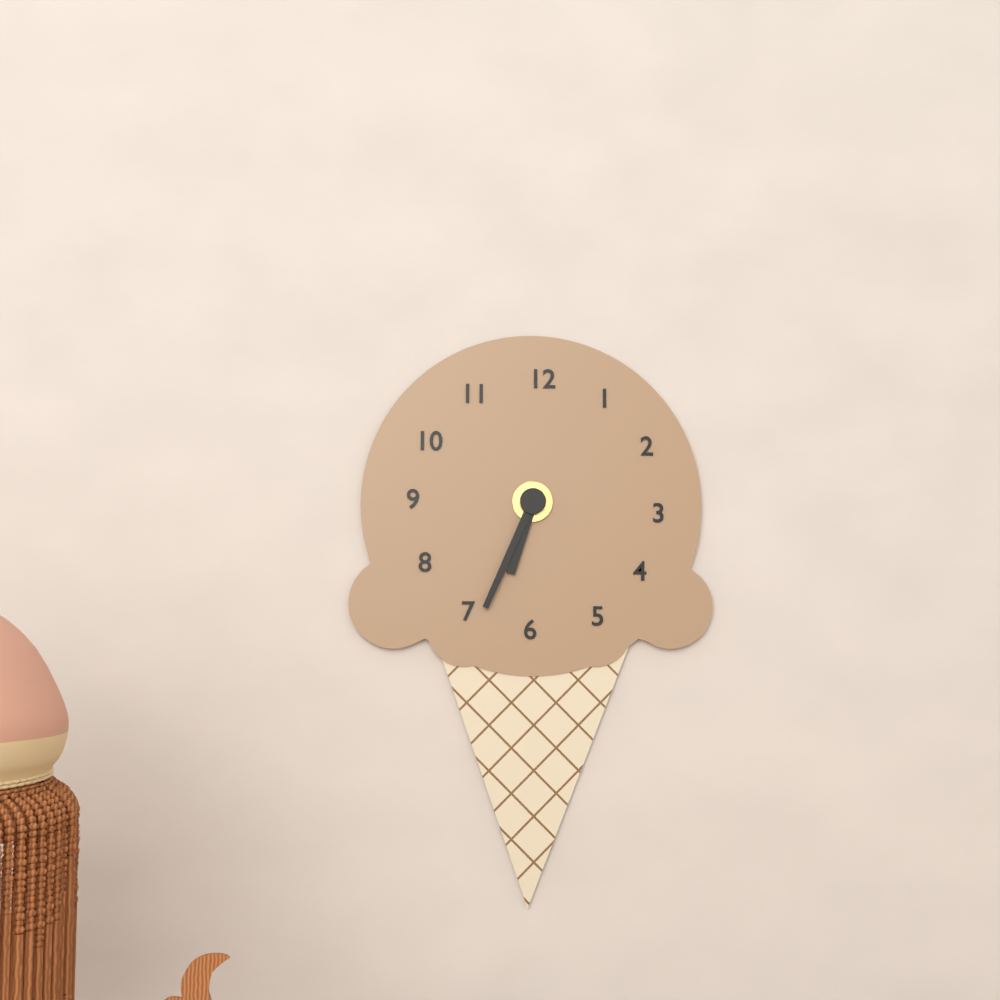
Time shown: h=6 m=34
